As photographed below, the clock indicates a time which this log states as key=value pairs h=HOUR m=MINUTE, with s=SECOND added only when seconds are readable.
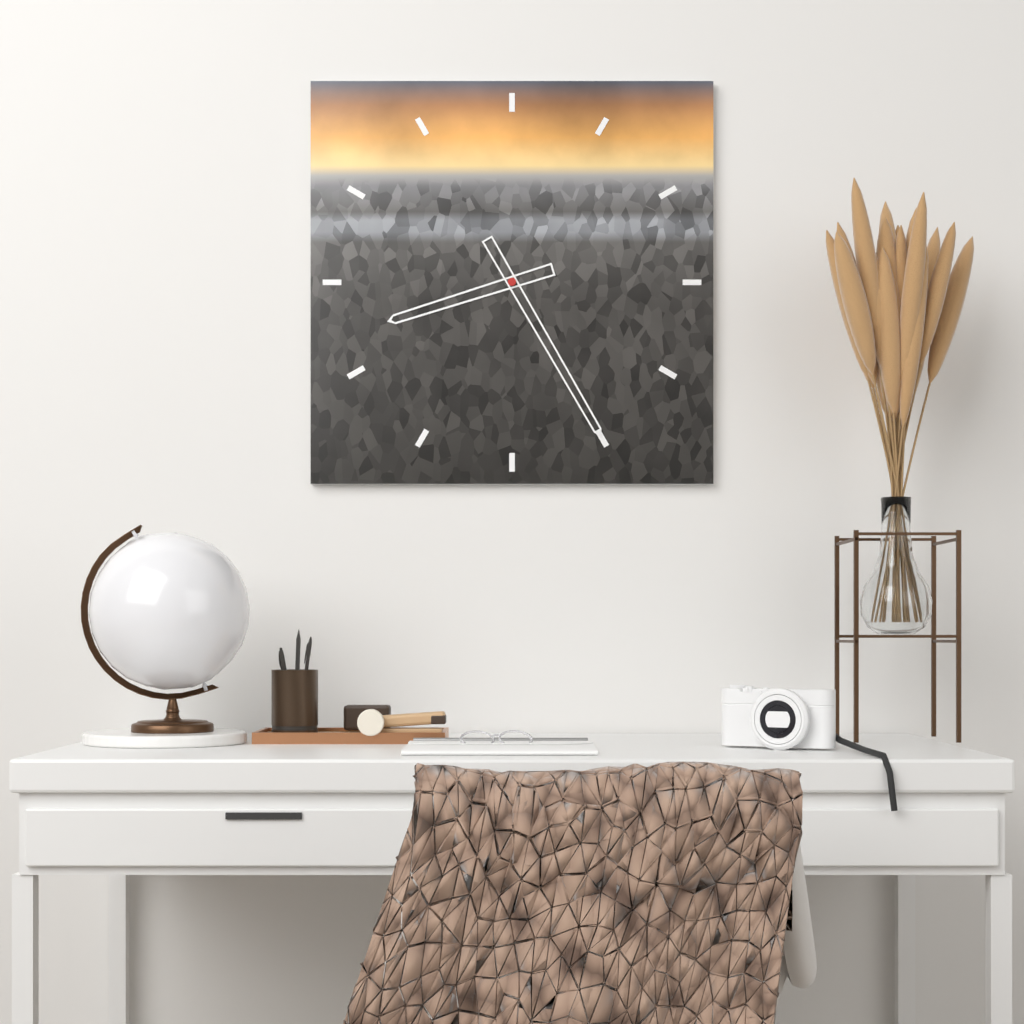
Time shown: h=8 m=25
